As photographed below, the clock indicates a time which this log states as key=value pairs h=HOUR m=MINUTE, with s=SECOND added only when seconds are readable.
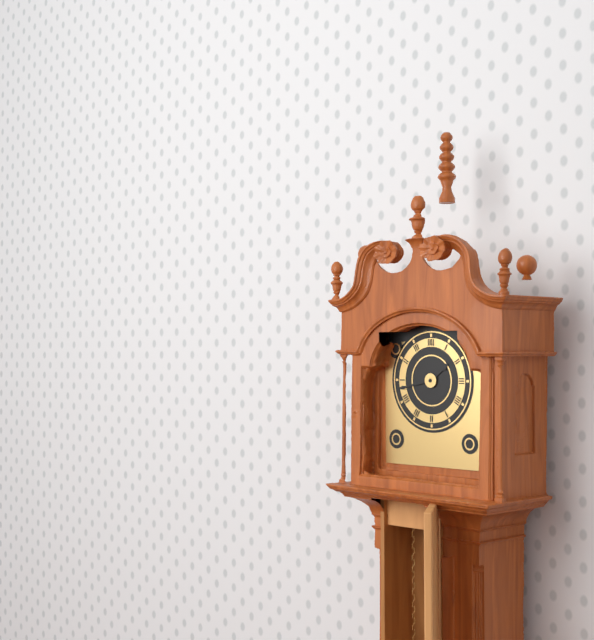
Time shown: h=1 m=43
